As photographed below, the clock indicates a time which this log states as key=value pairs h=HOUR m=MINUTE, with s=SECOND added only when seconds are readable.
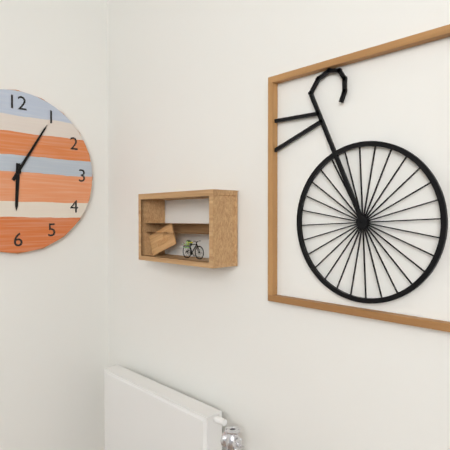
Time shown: h=6 m=5
